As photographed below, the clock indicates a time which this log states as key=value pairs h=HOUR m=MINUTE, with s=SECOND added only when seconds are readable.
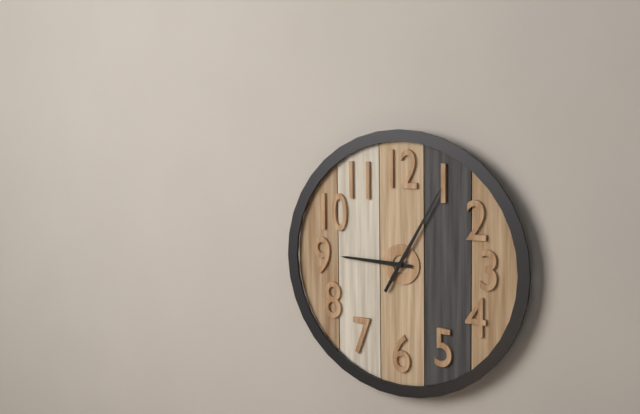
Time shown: h=9 m=5
